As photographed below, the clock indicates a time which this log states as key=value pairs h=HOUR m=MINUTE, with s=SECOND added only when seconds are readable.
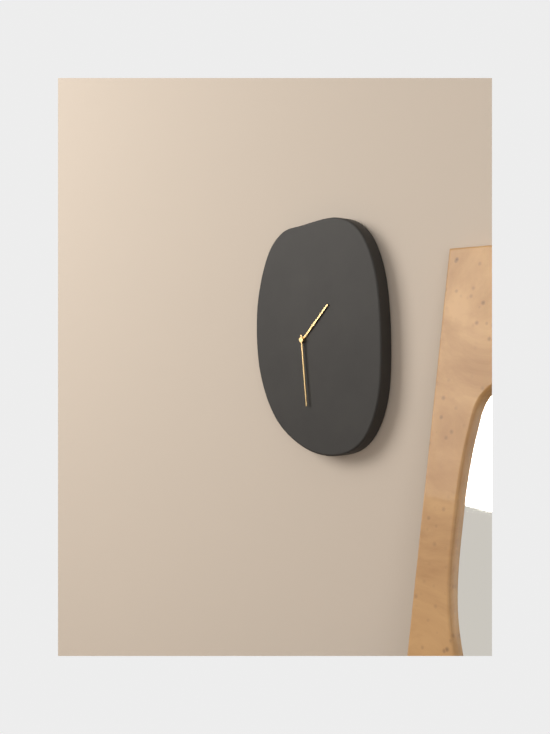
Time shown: h=1 m=29
